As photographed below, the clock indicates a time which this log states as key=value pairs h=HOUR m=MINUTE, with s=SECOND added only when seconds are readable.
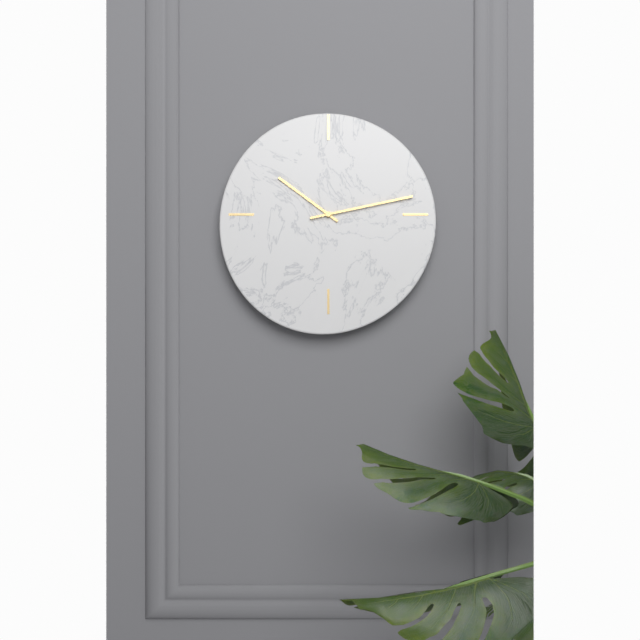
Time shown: h=10 m=13
